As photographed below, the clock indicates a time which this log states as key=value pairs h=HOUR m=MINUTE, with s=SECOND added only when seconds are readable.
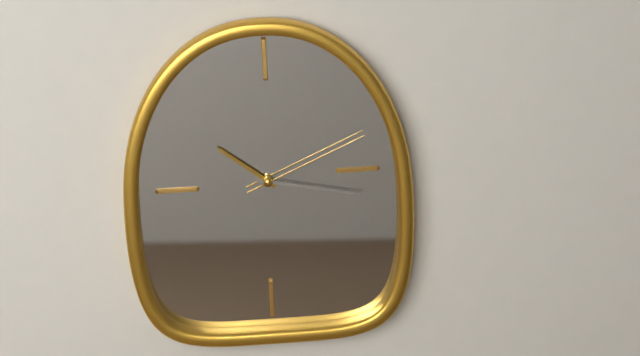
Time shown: h=10 m=17 s=11
